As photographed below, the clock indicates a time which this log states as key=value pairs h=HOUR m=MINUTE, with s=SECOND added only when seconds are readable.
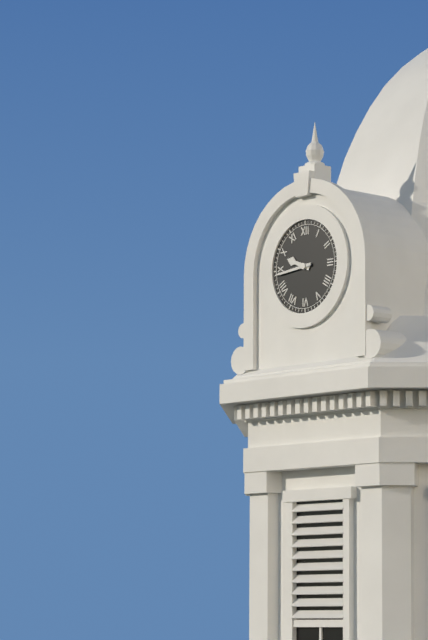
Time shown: h=9 m=44
